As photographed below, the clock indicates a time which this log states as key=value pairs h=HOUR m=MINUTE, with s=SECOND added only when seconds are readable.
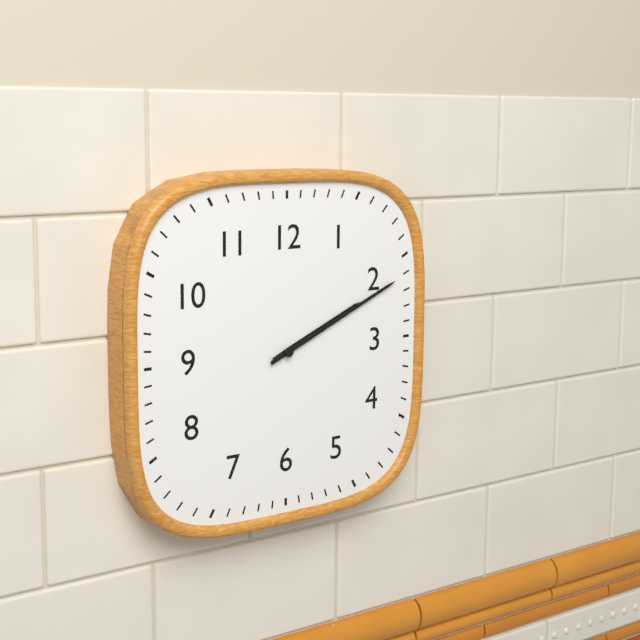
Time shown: h=2 m=11
